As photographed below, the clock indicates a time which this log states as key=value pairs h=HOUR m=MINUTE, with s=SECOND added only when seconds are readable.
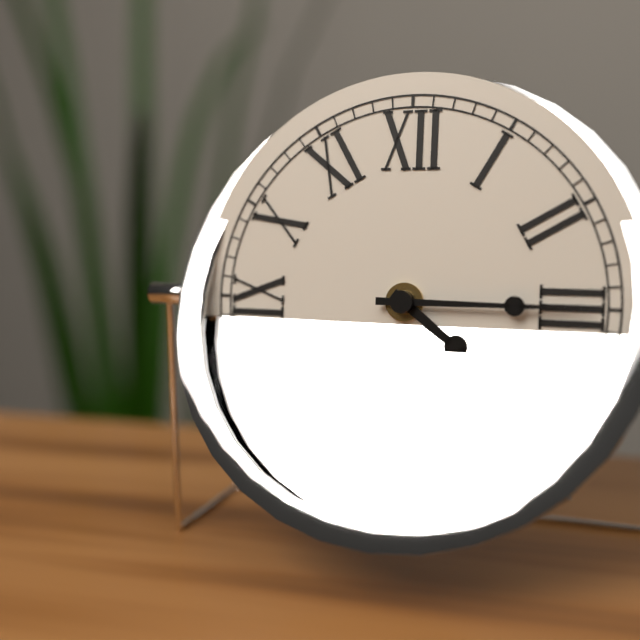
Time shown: h=4 m=15
